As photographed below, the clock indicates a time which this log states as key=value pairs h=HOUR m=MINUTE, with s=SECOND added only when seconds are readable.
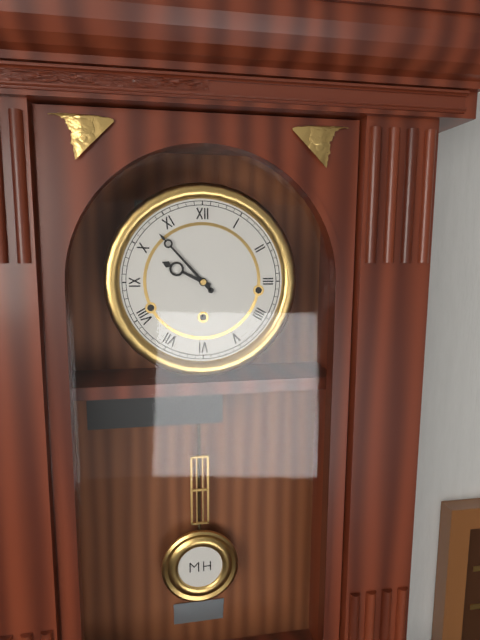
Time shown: h=9 m=53
